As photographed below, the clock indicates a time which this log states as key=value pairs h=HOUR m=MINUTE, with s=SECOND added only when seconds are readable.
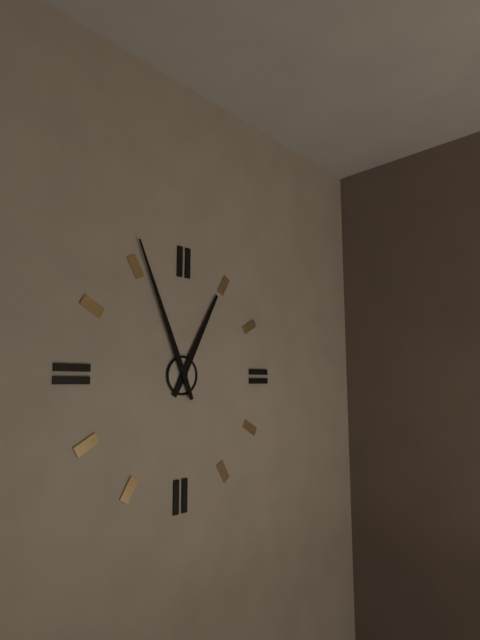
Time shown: h=12 m=56
